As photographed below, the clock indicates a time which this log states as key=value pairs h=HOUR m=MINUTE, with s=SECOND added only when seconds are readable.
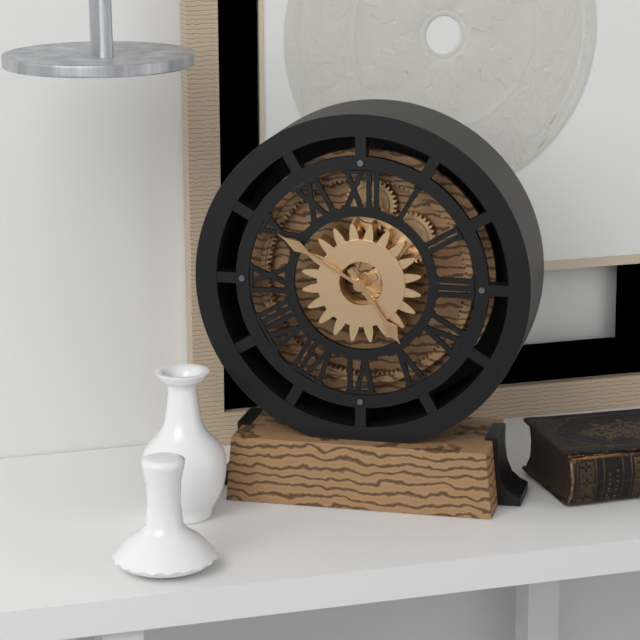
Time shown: h=4 m=50
